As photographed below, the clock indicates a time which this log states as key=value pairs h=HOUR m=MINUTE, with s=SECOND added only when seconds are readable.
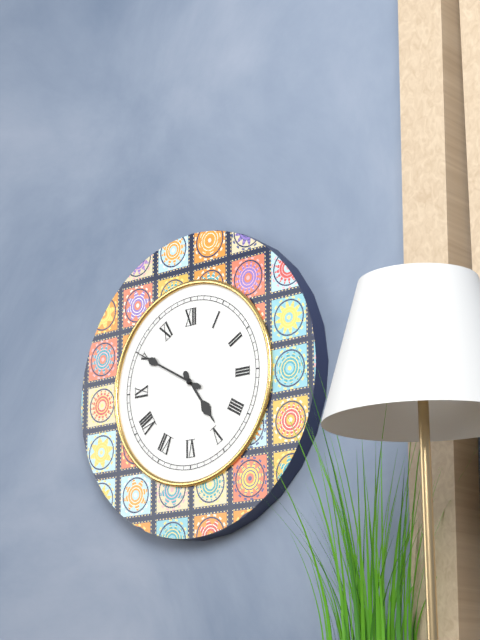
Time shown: h=4 m=50
